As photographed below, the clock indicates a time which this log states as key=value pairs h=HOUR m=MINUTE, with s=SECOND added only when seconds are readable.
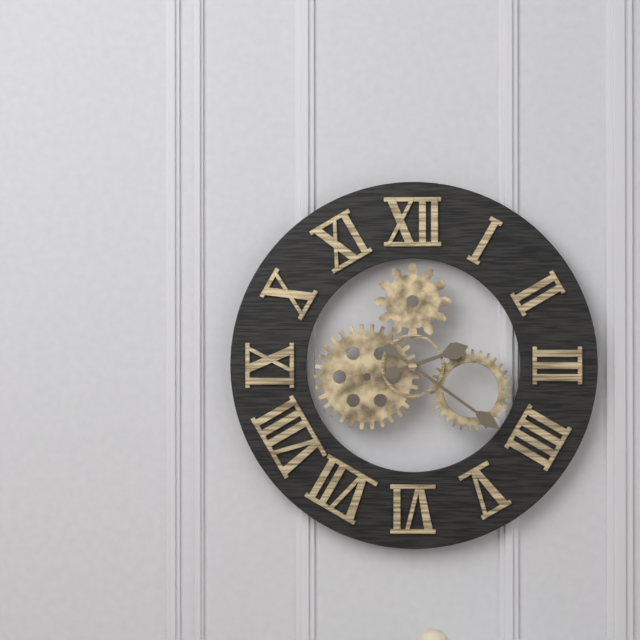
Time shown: h=2 m=21
